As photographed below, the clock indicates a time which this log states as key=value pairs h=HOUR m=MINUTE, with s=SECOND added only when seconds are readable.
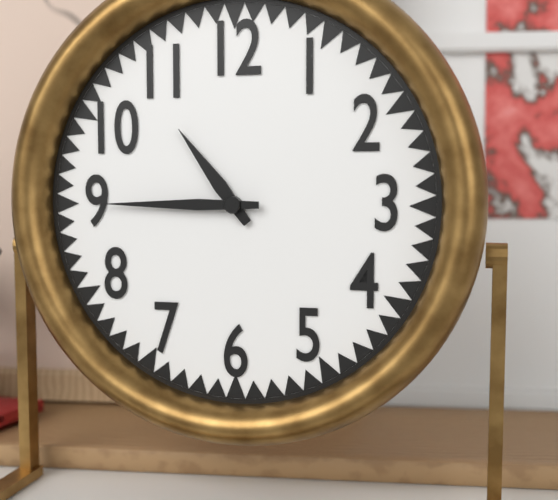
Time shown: h=10 m=45
